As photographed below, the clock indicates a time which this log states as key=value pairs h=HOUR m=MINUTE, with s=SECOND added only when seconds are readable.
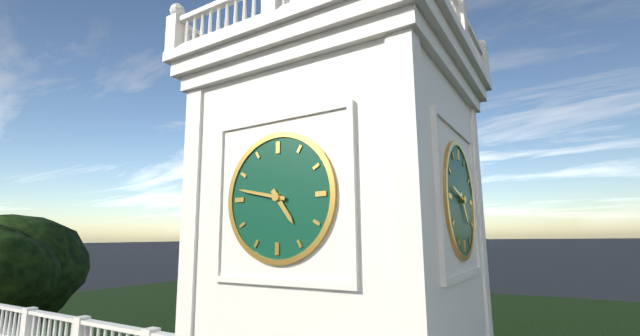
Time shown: h=4 m=47
